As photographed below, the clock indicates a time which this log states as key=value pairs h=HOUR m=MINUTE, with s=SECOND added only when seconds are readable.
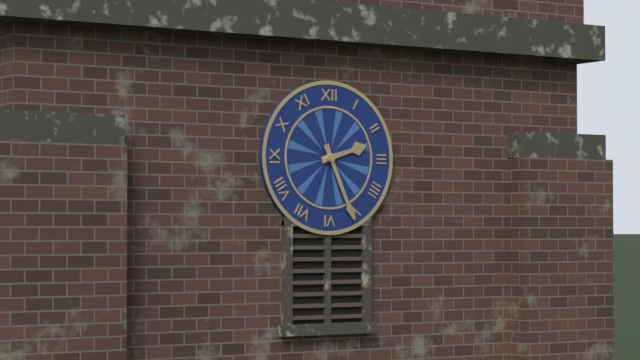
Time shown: h=2 m=26
